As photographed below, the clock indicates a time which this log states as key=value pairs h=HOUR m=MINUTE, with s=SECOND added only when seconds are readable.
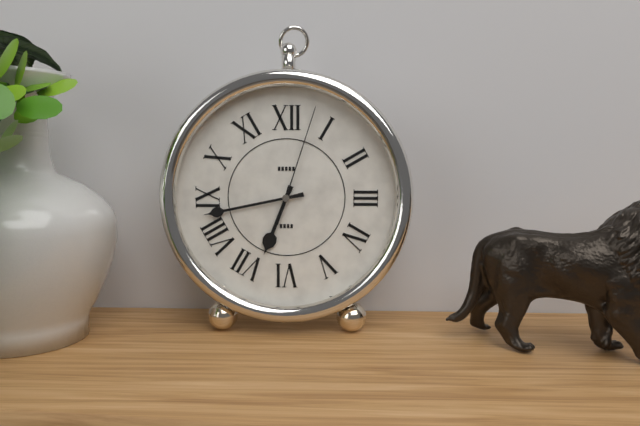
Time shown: h=6 m=43 s=3
